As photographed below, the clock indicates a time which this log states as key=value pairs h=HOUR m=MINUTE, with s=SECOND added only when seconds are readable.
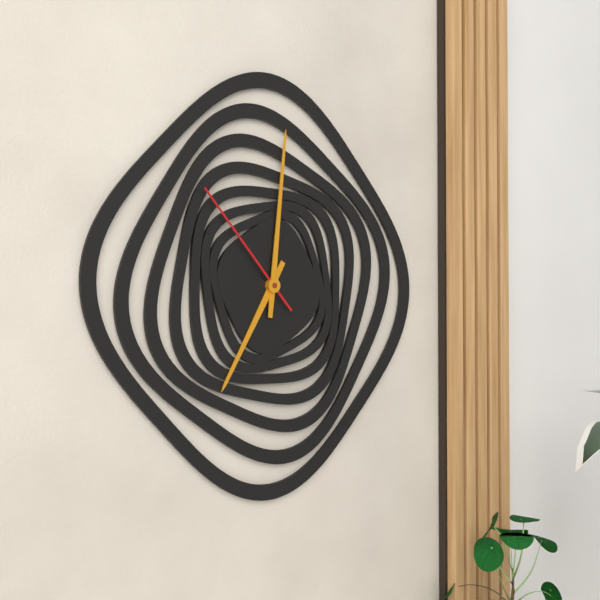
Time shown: h=7 m=1 s=53
